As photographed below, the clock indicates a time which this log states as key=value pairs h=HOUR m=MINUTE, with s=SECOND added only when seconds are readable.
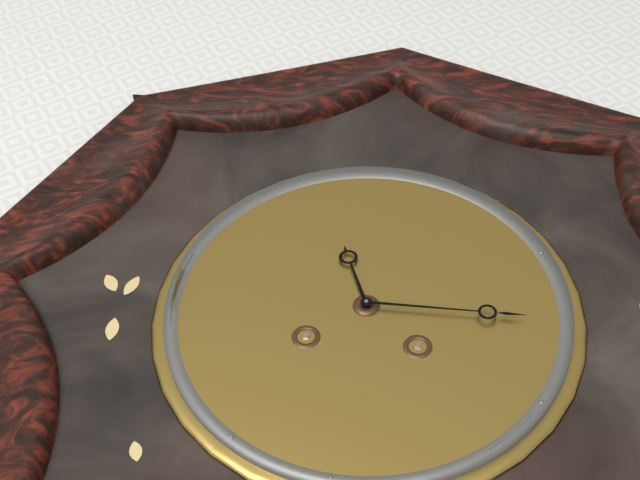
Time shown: h=11 m=15
